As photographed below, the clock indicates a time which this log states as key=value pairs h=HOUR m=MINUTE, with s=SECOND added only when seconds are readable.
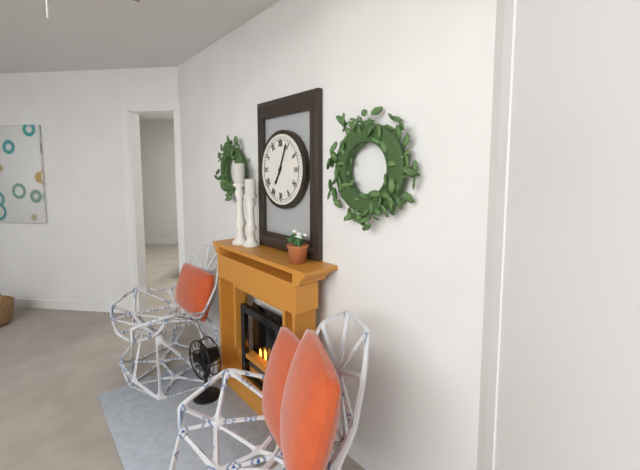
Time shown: h=7 m=4
